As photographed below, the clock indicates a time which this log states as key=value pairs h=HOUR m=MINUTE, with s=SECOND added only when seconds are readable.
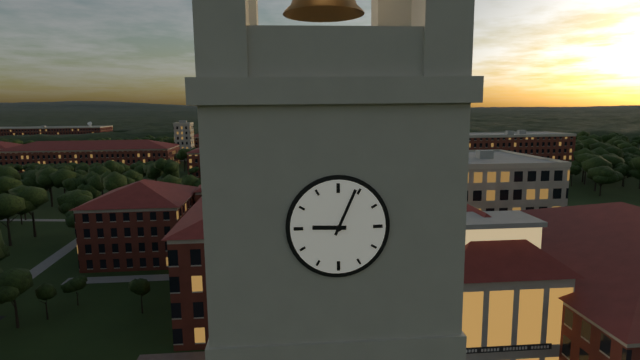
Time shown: h=9 m=4
